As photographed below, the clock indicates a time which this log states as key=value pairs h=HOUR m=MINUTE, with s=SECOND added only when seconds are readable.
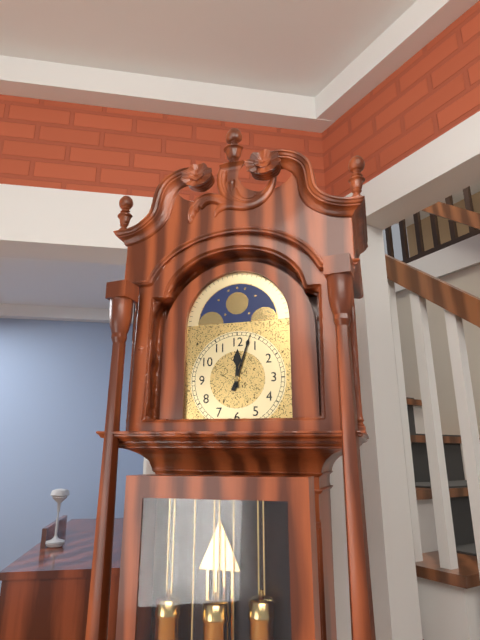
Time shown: h=12 m=3
